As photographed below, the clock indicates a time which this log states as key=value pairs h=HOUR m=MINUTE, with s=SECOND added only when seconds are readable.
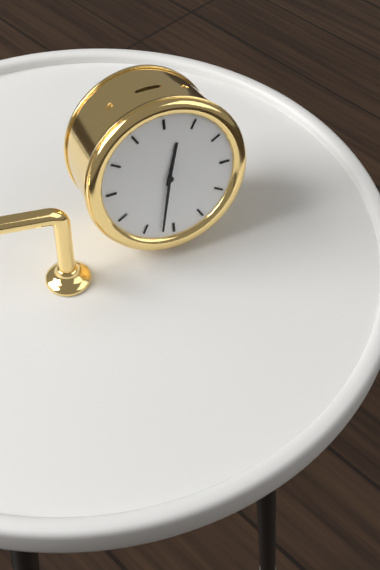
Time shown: h=12 m=32
